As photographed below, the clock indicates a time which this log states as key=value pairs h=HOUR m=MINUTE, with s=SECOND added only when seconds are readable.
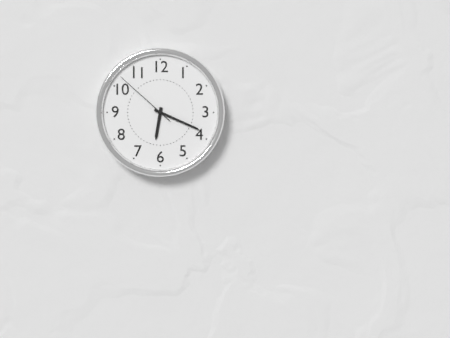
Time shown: h=6 m=19 s=52
